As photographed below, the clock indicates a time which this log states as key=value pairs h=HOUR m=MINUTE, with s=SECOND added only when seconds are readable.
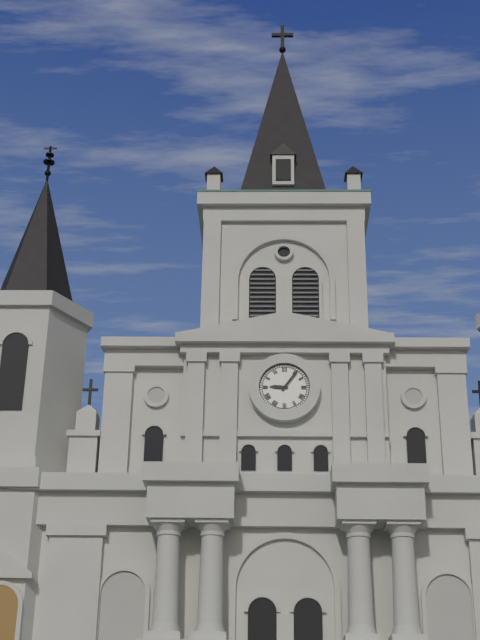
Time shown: h=9 m=6
